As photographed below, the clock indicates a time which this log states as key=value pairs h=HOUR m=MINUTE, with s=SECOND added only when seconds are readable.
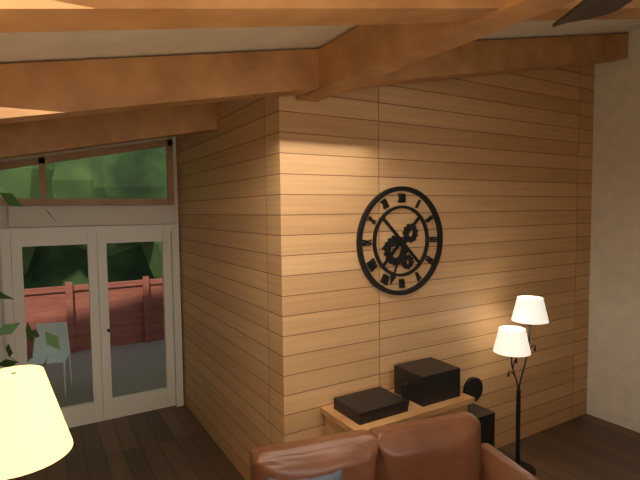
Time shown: h=8 m=34
